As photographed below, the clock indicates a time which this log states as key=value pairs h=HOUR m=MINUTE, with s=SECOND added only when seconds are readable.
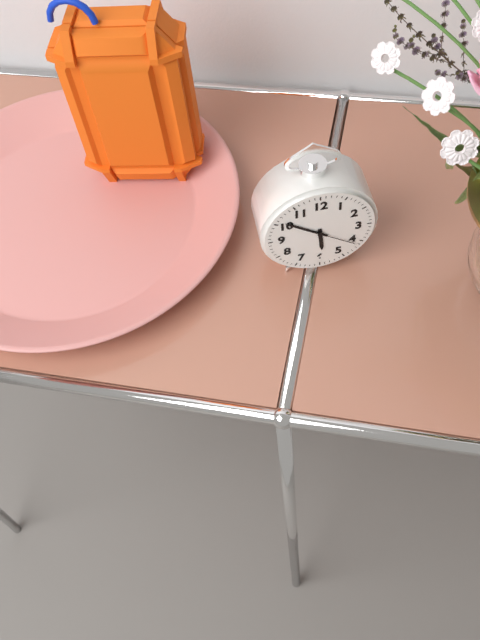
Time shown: h=5 m=51
